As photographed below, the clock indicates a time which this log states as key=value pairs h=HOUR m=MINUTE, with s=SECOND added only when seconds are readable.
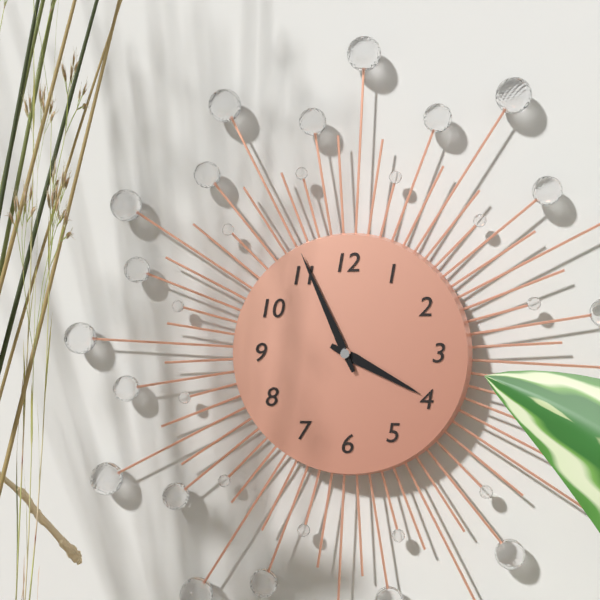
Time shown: h=3 m=56
